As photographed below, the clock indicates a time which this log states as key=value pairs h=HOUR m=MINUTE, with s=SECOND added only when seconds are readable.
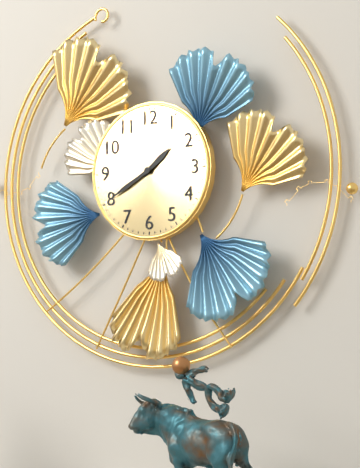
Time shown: h=1 m=40
